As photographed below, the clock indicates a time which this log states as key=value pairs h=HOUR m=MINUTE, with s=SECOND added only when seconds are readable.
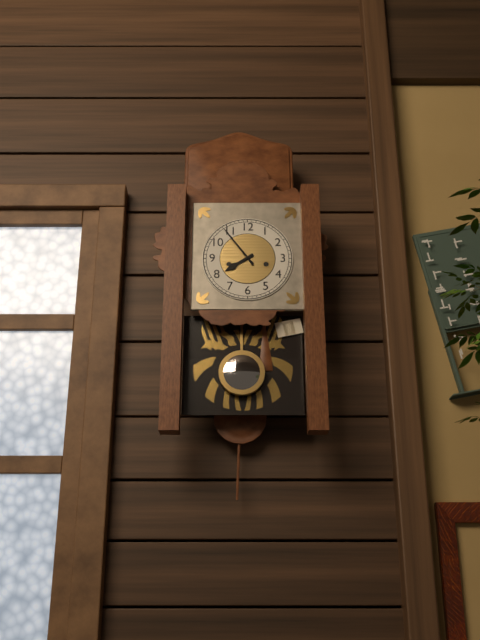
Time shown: h=7 m=54
